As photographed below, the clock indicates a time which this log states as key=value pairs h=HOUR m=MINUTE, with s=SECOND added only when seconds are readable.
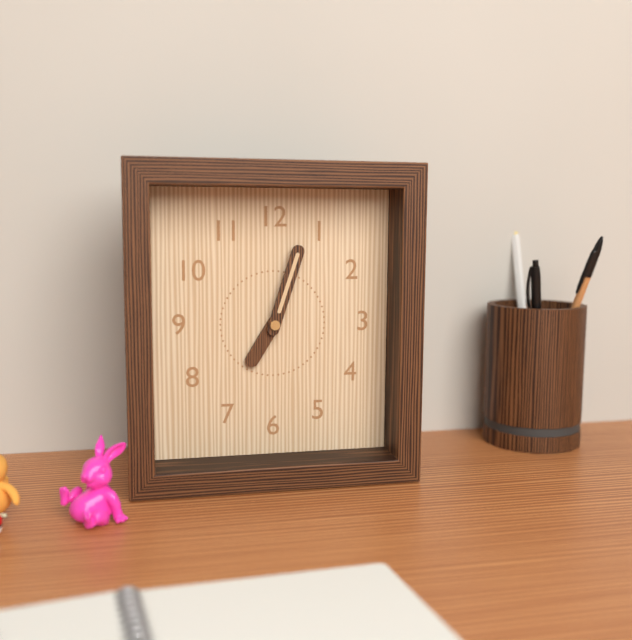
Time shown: h=7 m=3
